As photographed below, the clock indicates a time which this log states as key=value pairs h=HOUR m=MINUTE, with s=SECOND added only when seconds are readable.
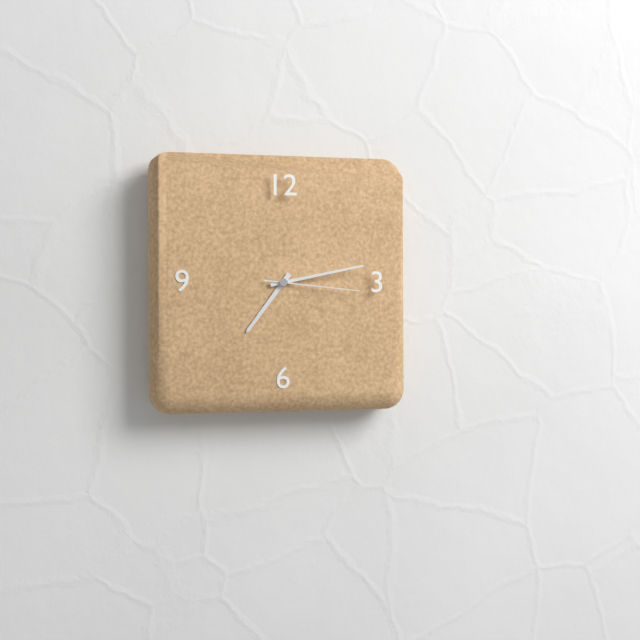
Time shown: h=7 m=13 s=16
